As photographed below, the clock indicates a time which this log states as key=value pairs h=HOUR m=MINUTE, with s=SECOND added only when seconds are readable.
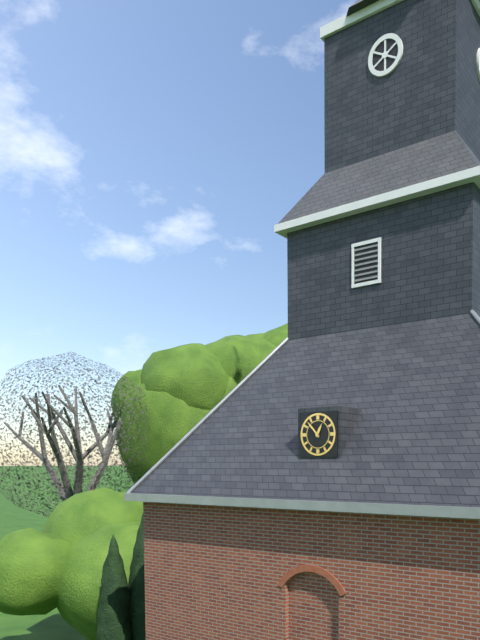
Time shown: h=12 m=53
